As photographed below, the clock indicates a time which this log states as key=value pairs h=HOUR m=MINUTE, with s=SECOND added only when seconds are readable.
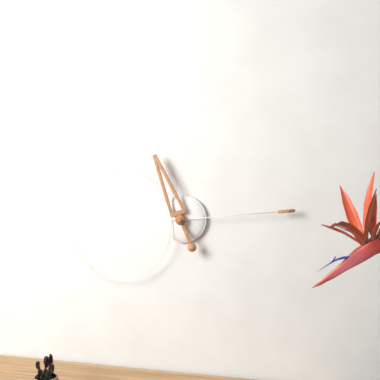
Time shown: h=11 m=14
